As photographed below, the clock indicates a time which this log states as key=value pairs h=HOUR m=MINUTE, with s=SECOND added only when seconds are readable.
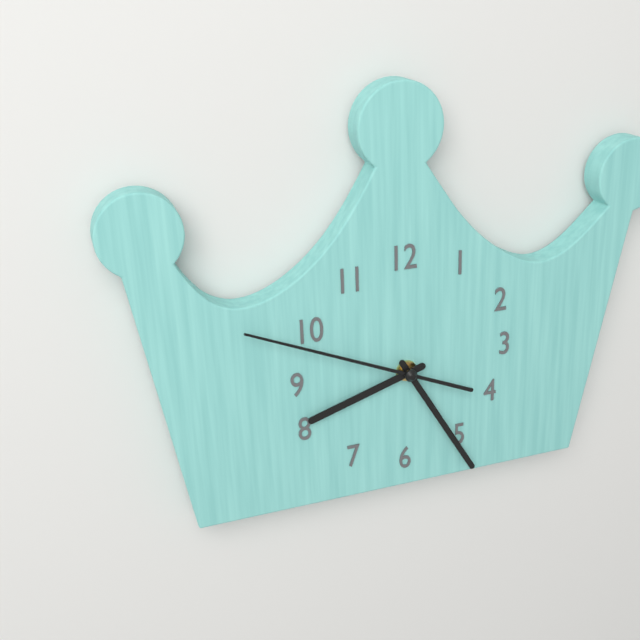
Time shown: h=8 m=25 s=49
